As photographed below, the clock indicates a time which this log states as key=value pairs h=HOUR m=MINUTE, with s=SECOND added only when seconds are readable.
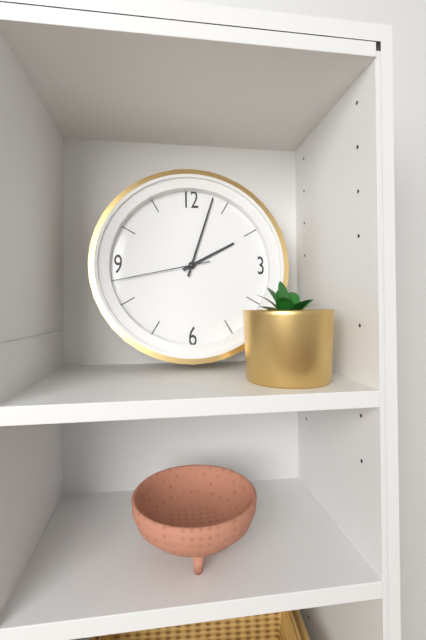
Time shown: h=2 m=3 s=43
